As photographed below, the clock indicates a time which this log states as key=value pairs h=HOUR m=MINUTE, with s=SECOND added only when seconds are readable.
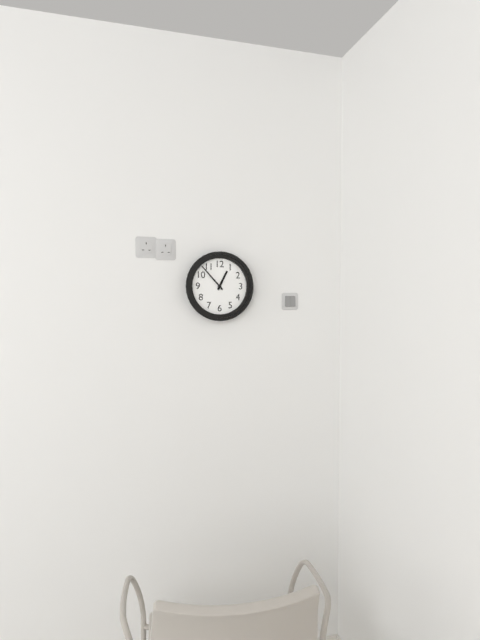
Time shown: h=12 m=53
